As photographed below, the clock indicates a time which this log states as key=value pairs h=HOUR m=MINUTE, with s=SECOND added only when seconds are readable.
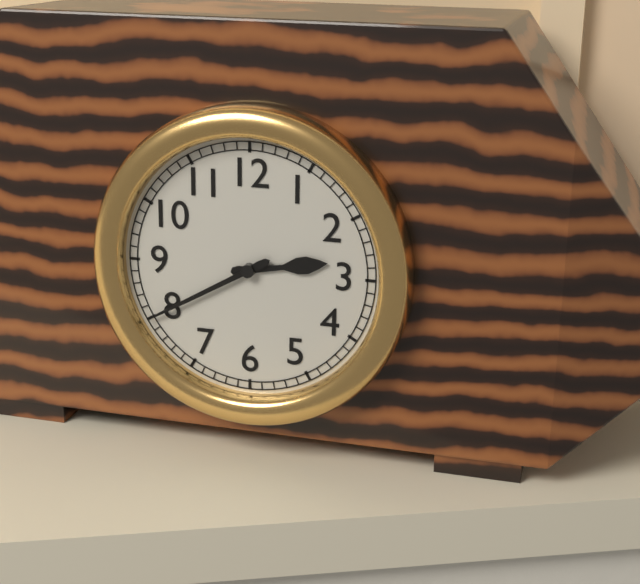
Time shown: h=2 m=40
